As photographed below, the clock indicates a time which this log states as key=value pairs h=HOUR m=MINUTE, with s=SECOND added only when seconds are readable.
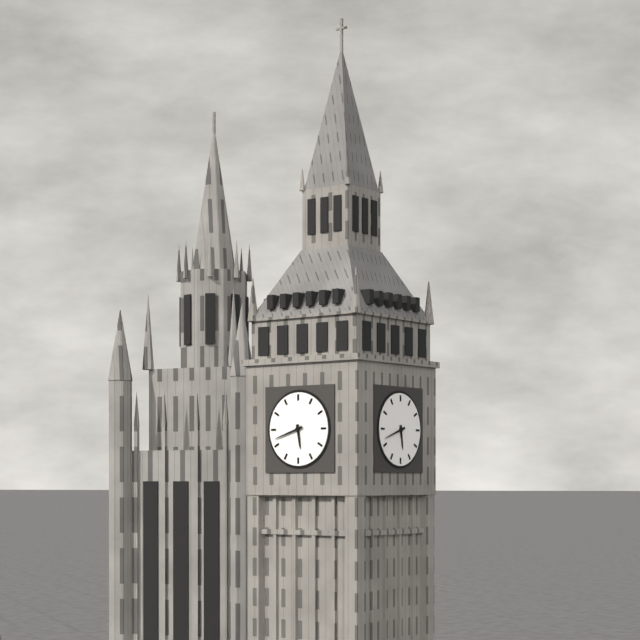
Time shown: h=5 m=42
